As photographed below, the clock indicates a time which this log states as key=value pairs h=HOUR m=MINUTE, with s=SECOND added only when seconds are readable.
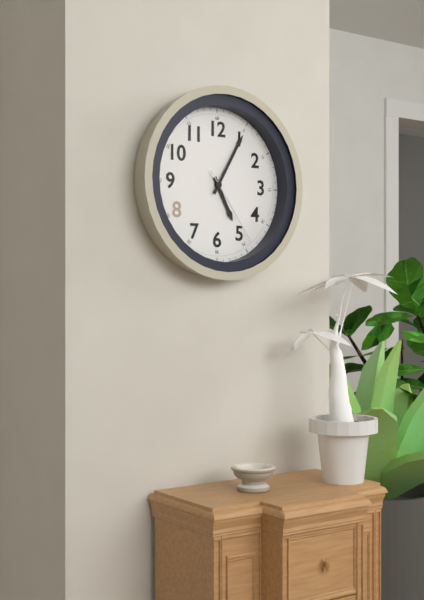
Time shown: h=5 m=5 s=24
